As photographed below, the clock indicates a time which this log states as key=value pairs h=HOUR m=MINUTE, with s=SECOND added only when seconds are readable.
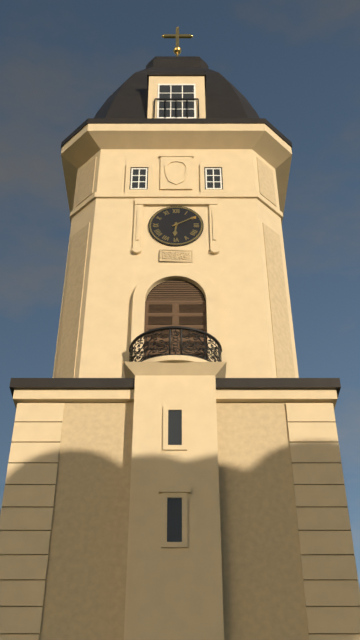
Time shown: h=6 m=10
